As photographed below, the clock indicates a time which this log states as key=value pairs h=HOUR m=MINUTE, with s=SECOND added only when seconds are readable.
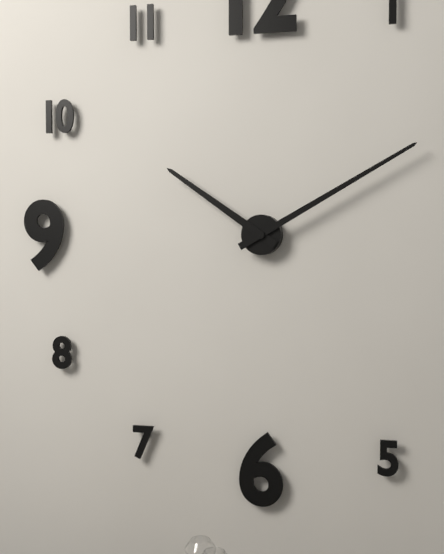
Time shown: h=10 m=10
